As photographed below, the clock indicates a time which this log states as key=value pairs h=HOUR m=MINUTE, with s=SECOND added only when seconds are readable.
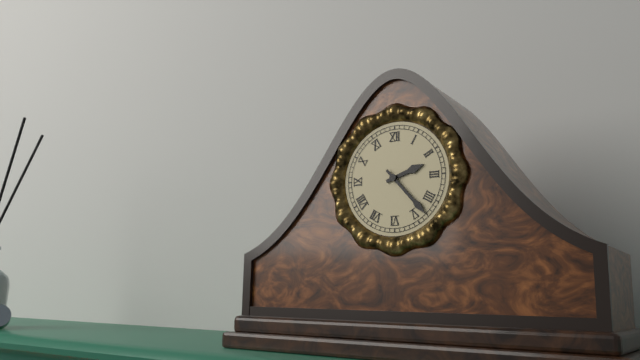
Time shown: h=2 m=23
